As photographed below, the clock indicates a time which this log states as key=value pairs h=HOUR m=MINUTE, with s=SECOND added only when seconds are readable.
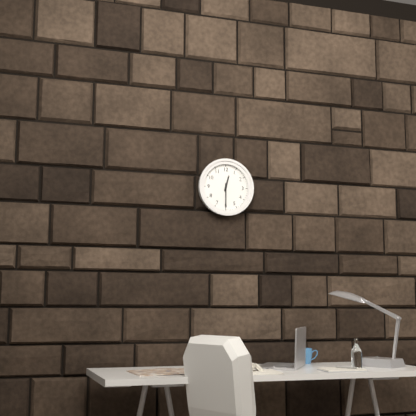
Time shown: h=12 m=30
